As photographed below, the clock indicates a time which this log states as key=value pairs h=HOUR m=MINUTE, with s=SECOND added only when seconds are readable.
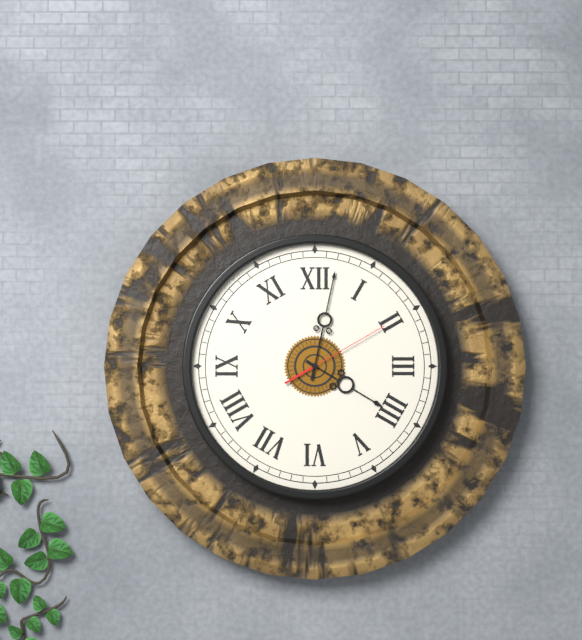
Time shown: h=4 m=2 s=10
